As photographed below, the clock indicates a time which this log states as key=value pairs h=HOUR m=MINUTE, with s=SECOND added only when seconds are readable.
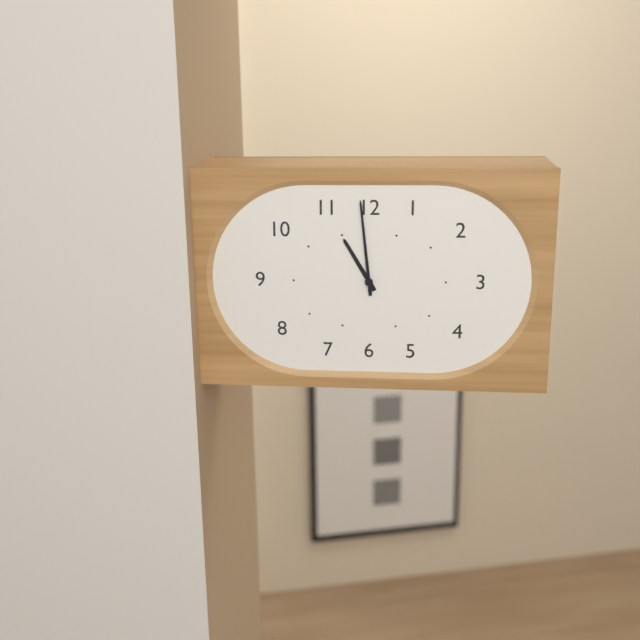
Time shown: h=10 m=59
